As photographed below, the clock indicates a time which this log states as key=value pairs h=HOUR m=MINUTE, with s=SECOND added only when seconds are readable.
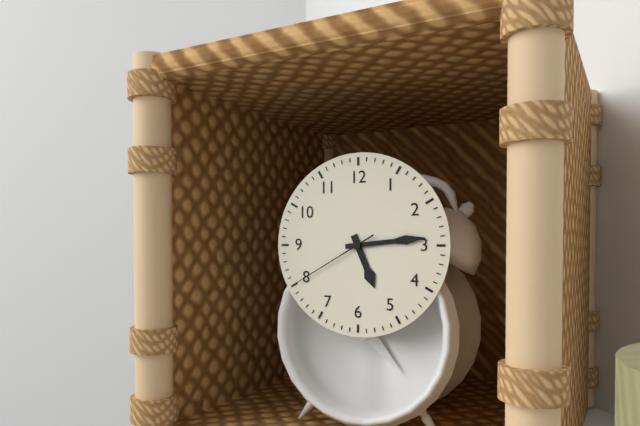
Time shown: h=5 m=14 s=40
